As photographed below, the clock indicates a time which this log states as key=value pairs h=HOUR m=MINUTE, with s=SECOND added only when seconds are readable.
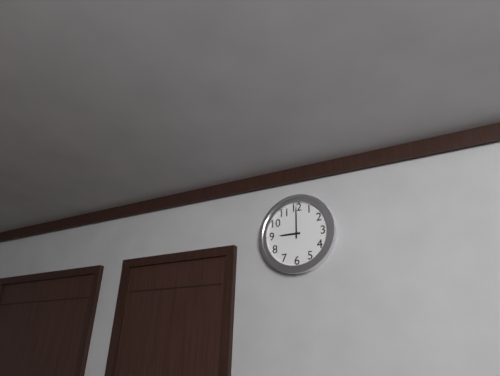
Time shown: h=9 m=0
